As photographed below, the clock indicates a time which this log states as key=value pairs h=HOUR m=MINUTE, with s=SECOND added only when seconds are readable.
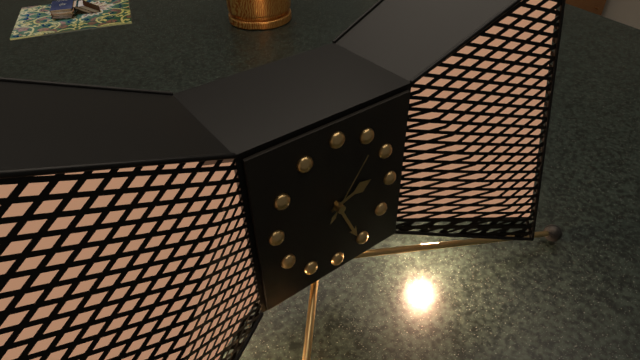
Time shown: h=2 m=26 s=6
